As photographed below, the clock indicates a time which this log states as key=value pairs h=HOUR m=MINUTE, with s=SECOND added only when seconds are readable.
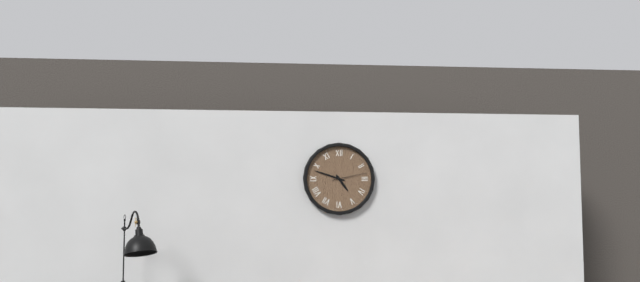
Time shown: h=4 m=48
